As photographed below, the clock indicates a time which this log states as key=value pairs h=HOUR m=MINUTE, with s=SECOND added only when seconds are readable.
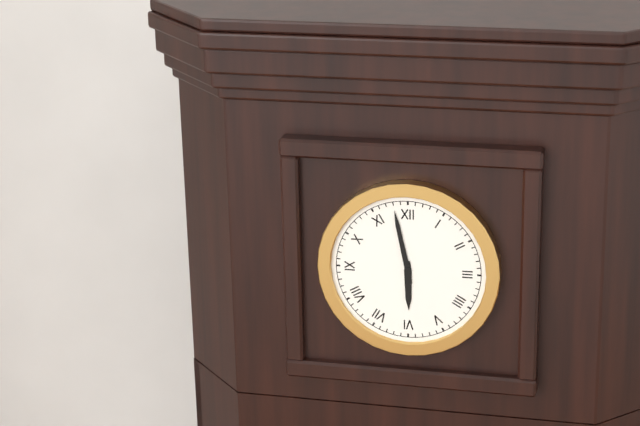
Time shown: h=5 m=58
